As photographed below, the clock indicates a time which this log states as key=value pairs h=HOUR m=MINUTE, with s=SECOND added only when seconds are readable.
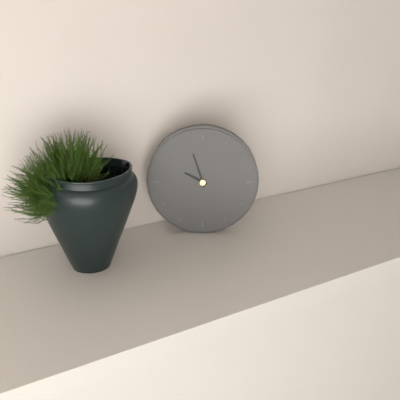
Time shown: h=9 m=57
